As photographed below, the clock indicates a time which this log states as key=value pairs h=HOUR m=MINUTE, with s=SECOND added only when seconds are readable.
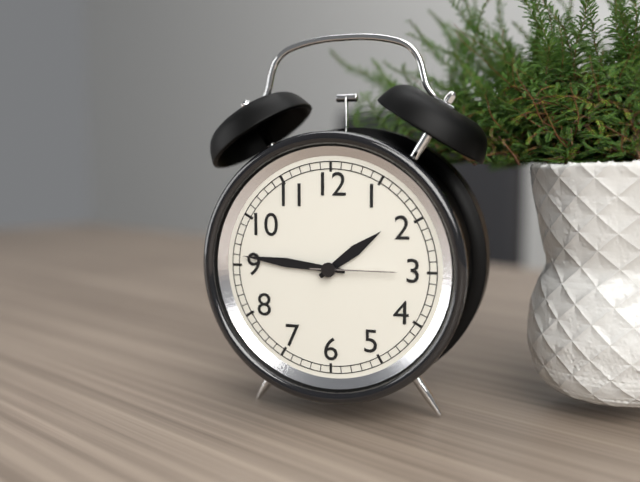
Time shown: h=1 m=46 s=15
